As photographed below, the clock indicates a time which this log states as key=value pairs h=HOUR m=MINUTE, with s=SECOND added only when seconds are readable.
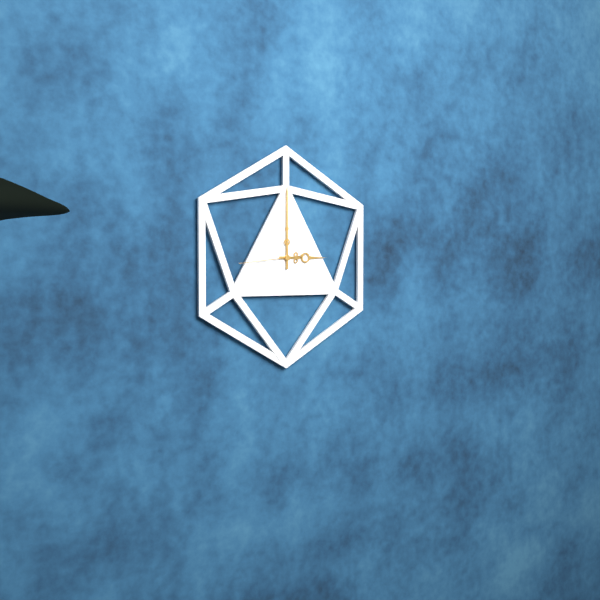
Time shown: h=3 m=0 s=44
